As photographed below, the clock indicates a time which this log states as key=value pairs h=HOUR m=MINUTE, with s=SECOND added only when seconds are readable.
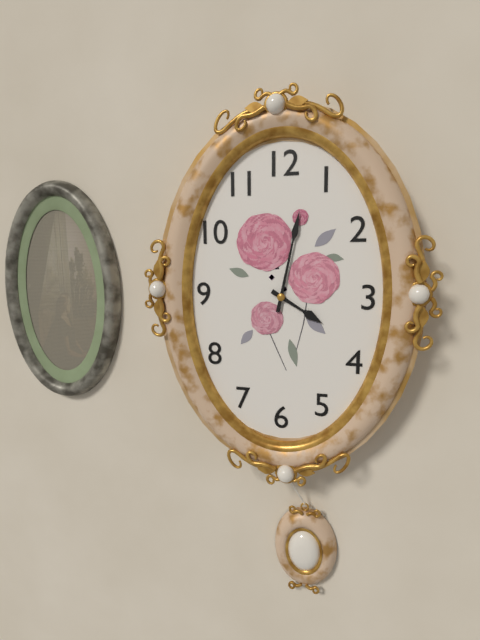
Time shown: h=4 m=2
